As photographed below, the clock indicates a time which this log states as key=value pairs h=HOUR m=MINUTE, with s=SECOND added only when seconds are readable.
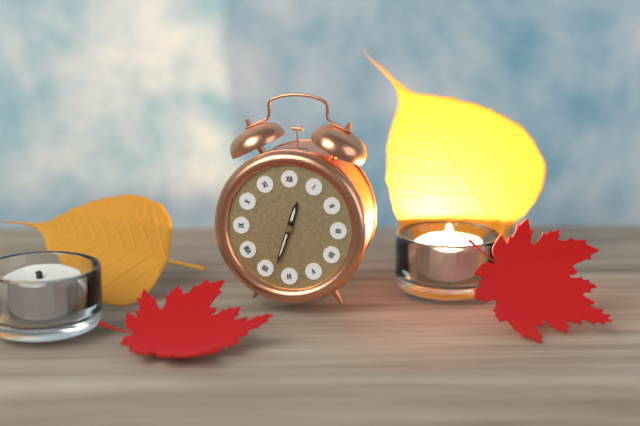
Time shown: h=12 m=33
